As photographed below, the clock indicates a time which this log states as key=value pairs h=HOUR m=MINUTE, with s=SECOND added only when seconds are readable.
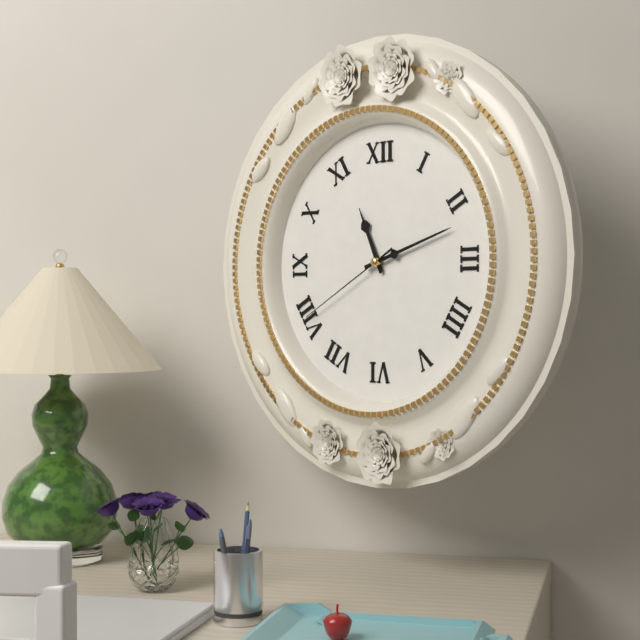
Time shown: h=11 m=12 s=40
